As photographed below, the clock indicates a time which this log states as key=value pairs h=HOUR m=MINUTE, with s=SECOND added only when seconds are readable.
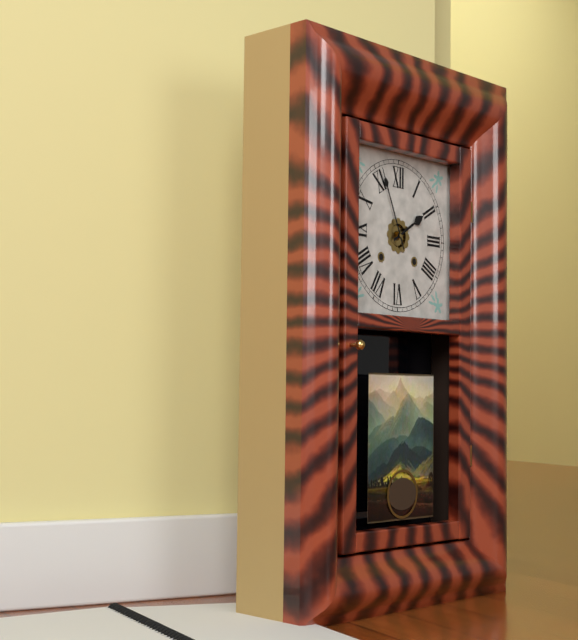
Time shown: h=1 m=56
